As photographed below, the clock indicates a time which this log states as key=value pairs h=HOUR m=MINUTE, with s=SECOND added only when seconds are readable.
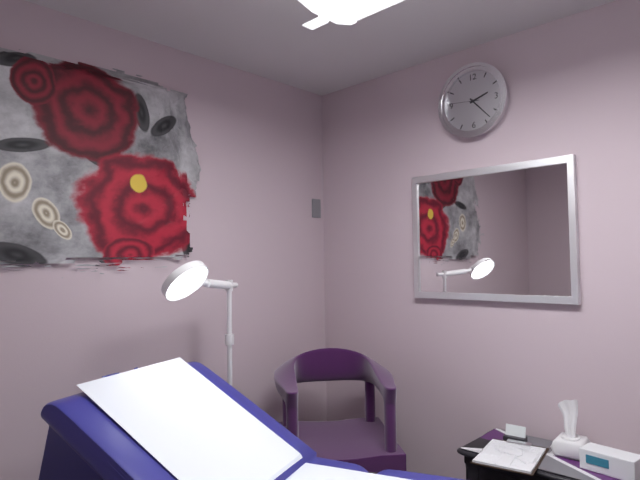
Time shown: h=2 m=23
